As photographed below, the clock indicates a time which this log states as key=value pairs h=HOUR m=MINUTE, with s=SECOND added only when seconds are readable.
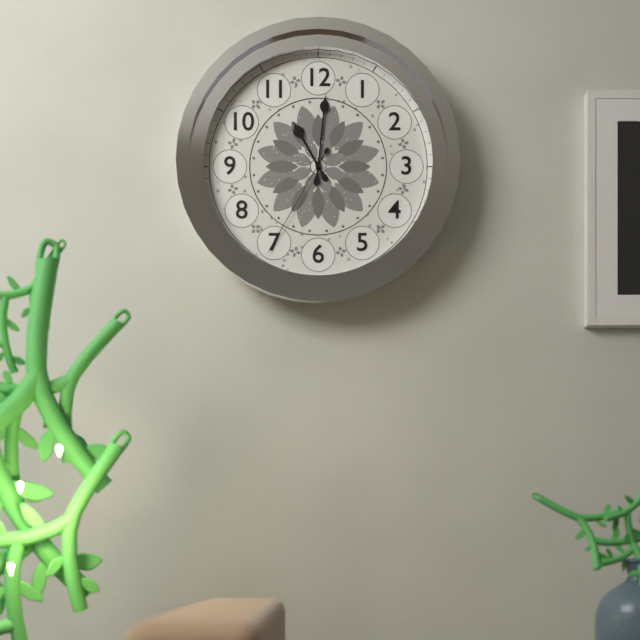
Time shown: h=11 m=1 s=35
